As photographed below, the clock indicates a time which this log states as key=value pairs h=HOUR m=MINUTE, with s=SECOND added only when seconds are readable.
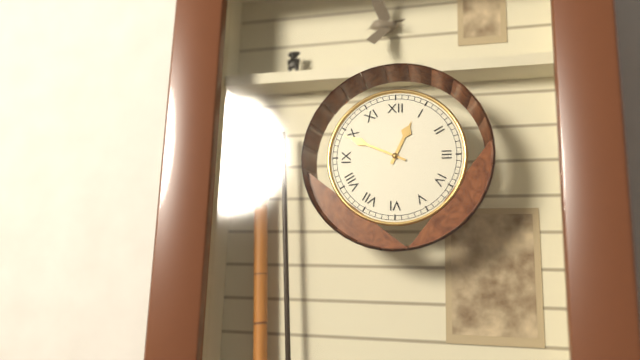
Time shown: h=12 m=49
